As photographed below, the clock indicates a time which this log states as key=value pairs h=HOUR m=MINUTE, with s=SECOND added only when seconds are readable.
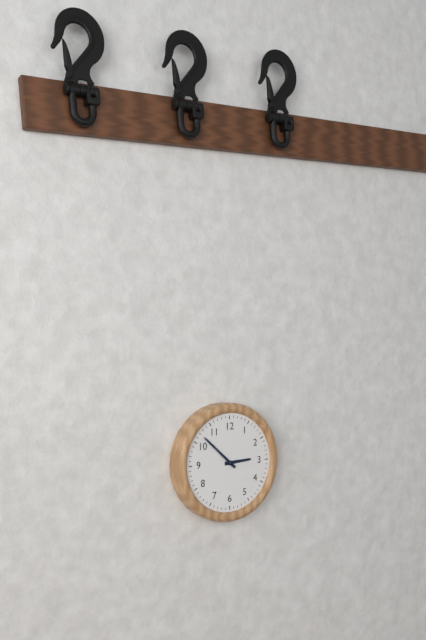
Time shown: h=2 m=52
